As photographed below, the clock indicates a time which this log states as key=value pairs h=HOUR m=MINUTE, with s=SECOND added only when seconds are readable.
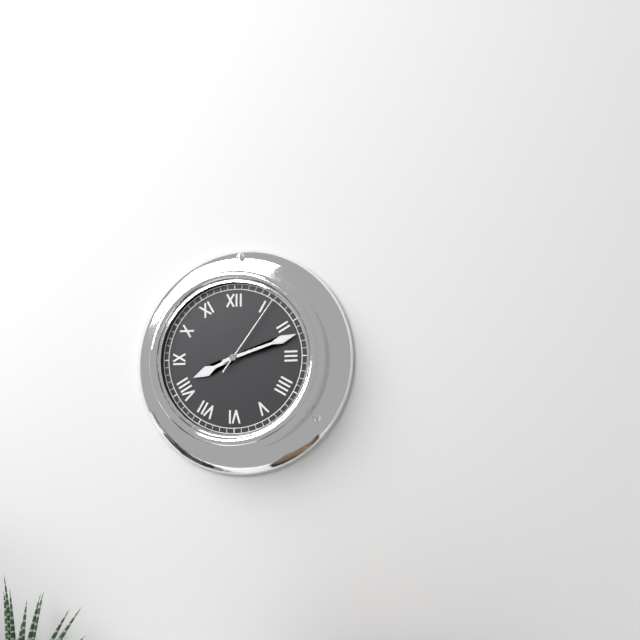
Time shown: h=8 m=12 s=6
